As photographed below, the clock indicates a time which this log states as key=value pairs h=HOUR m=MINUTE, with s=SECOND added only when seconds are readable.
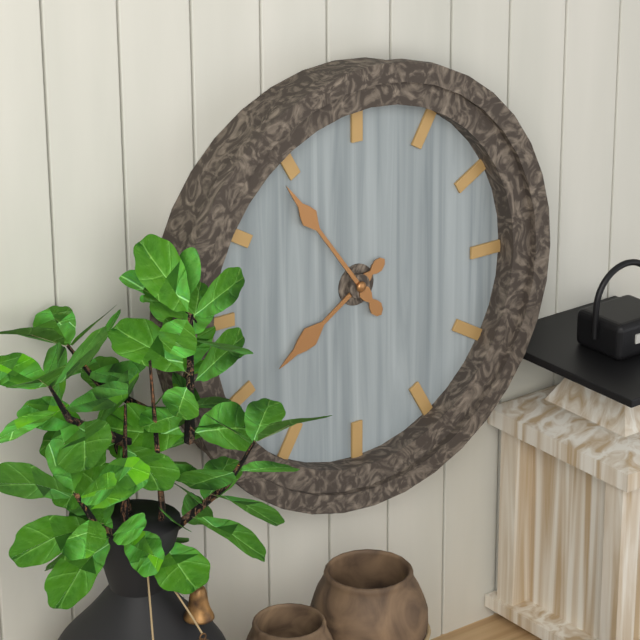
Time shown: h=7 m=54
